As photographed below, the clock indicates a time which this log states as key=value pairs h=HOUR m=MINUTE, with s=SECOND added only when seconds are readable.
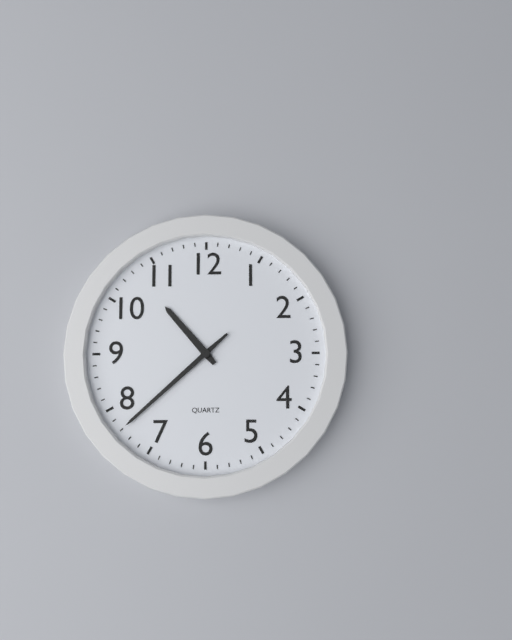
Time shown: h=10 m=38
